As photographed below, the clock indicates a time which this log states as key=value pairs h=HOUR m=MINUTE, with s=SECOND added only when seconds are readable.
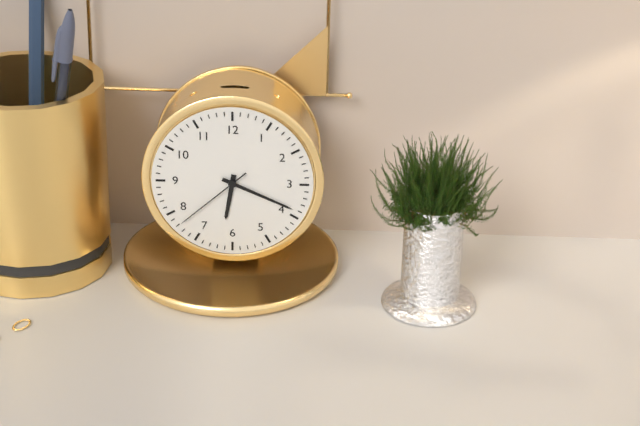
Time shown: h=6 m=19 s=38
